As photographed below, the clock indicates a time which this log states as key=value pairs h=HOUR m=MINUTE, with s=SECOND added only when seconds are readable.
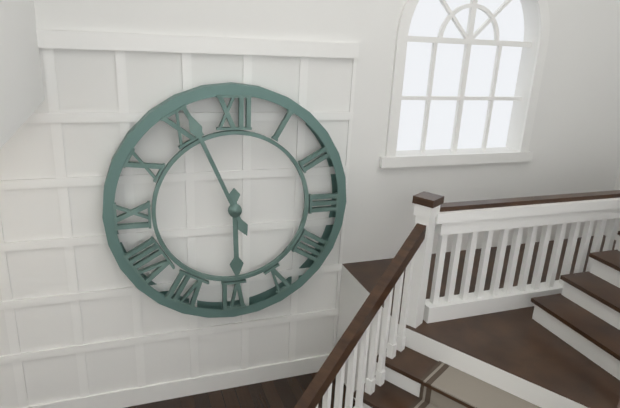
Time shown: h=5 m=56
